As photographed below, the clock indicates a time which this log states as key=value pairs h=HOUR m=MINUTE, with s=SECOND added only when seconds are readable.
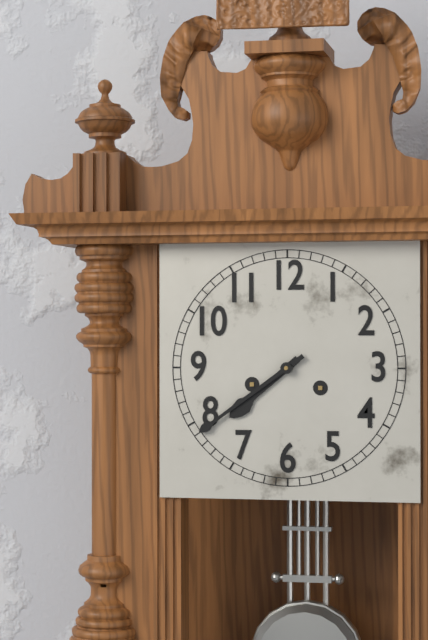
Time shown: h=7 m=39
